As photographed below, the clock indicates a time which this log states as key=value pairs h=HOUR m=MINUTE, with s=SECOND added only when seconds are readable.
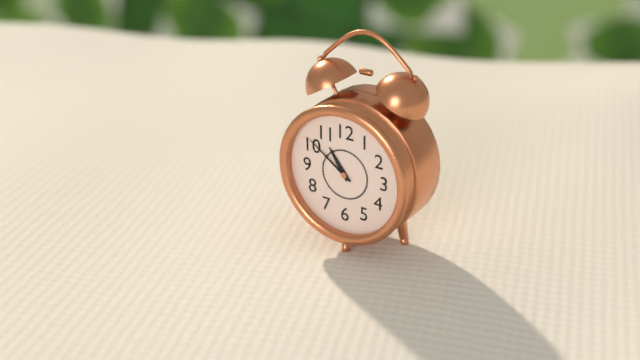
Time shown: h=10 m=51
